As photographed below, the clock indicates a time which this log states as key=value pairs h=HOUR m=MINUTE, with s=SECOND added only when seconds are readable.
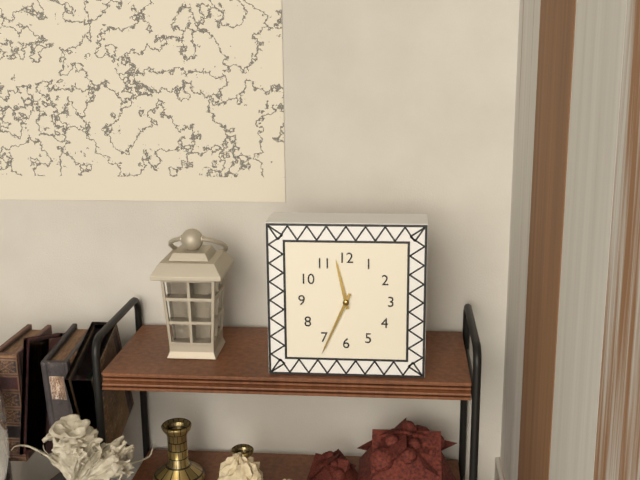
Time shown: h=11 m=34
